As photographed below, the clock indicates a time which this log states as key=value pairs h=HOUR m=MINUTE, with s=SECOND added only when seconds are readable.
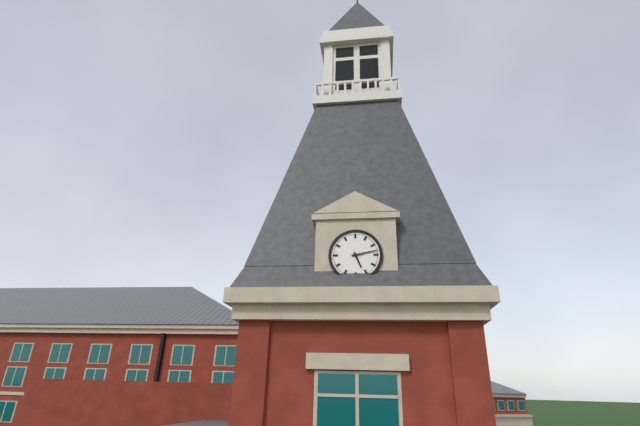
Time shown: h=5 m=13
